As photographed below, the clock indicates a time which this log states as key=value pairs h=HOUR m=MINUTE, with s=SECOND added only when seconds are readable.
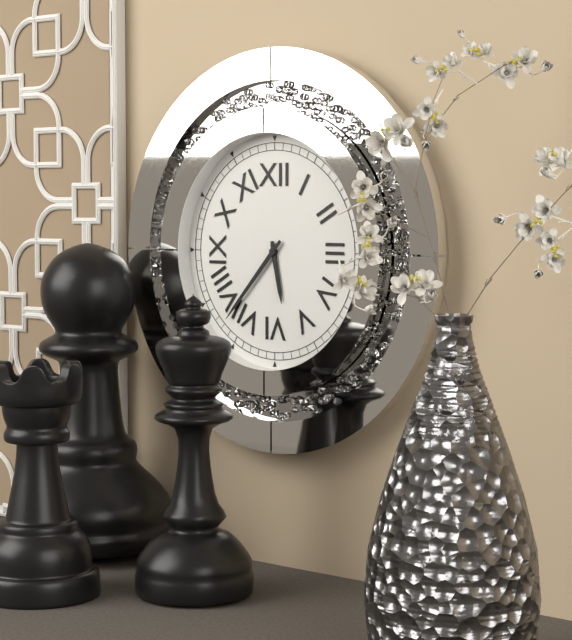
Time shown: h=5 m=37
